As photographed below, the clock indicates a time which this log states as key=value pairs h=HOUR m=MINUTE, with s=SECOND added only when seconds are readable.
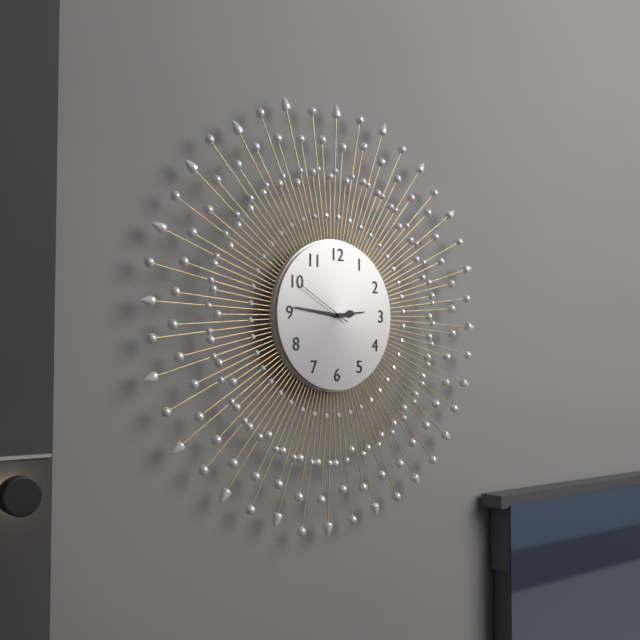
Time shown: h=2 m=46 s=50
